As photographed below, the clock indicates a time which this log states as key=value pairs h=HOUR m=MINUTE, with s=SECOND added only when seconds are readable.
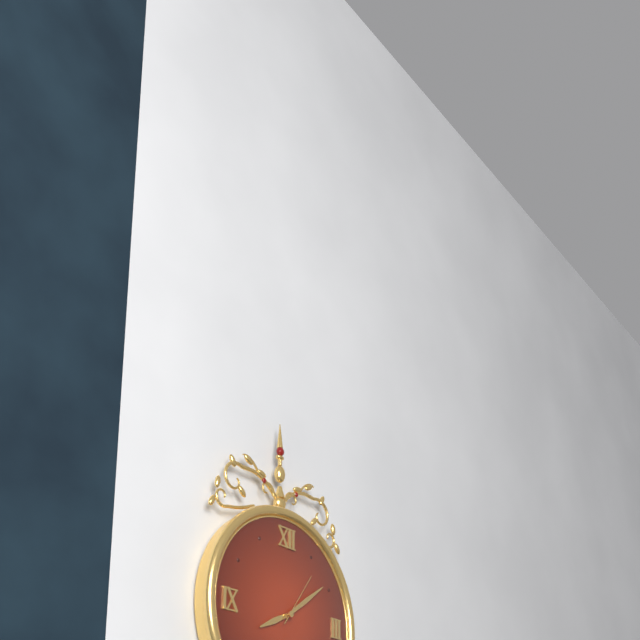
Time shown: h=8 m=9 s=6
